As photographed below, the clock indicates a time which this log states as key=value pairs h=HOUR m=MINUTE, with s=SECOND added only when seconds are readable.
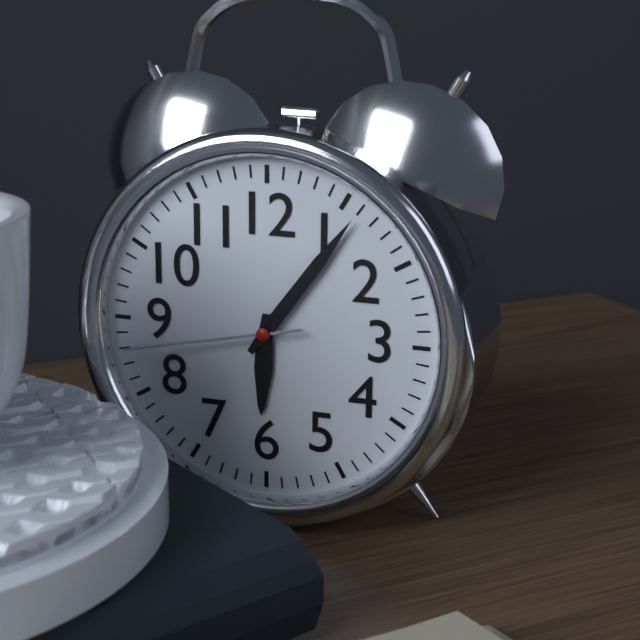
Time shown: h=6 m=6 s=43
